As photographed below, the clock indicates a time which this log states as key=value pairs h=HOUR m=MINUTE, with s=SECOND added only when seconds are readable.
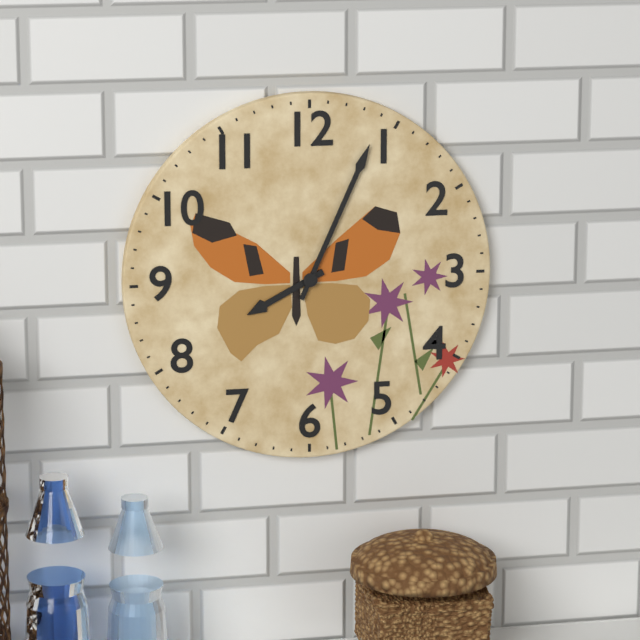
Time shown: h=8 m=4
